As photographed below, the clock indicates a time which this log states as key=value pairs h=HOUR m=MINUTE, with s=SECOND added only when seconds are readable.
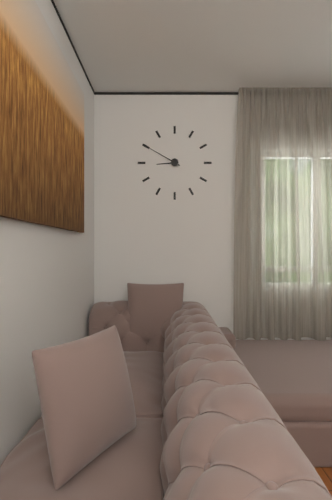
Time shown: h=8 m=50
